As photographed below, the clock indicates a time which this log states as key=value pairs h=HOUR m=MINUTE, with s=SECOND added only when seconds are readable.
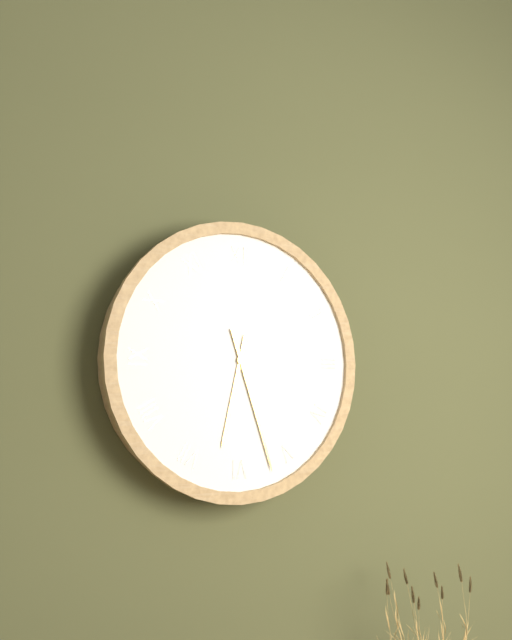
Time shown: h=6 m=27
